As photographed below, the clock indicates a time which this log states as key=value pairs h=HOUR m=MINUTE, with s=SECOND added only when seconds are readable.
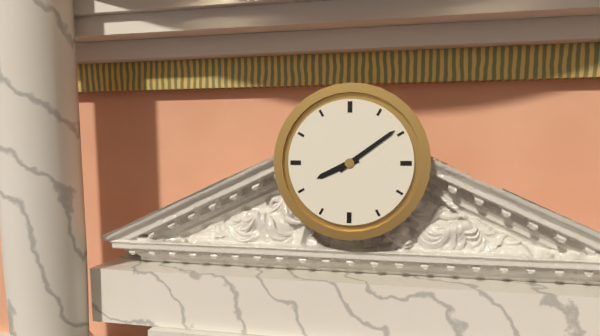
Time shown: h=8 m=9
